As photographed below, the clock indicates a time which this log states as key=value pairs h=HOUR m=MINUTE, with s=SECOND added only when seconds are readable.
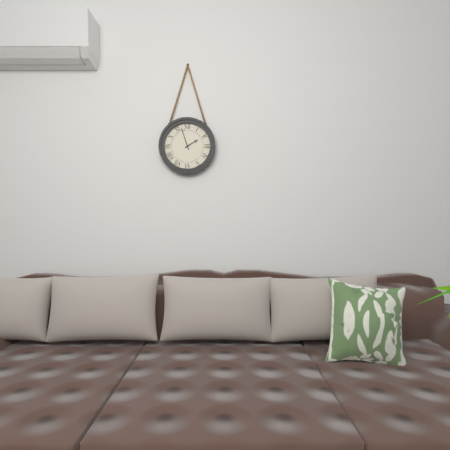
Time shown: h=1 m=57
